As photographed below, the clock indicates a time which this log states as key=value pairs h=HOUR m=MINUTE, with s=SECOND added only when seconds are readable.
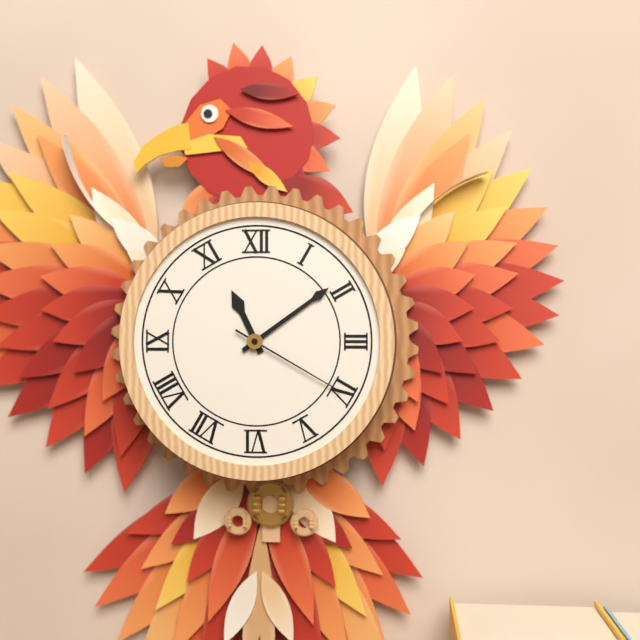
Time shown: h=11 m=9 s=20
